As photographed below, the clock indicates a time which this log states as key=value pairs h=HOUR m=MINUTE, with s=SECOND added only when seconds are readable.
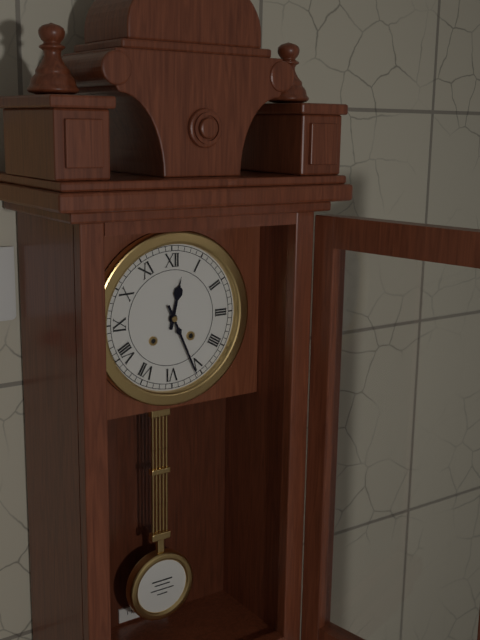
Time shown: h=12 m=26
